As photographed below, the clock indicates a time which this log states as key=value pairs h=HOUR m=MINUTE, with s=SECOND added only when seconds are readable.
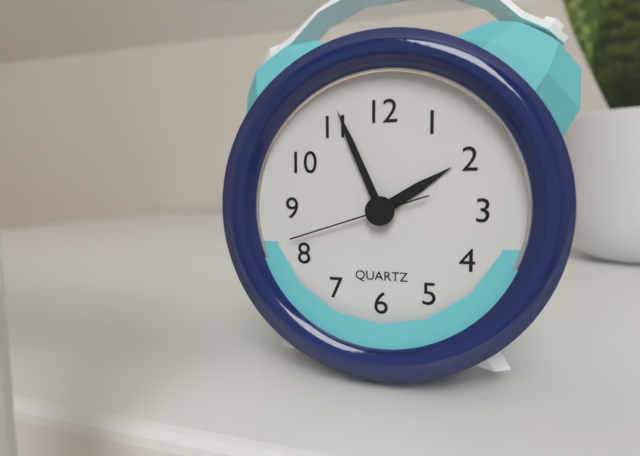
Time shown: h=1 m=56 s=42
